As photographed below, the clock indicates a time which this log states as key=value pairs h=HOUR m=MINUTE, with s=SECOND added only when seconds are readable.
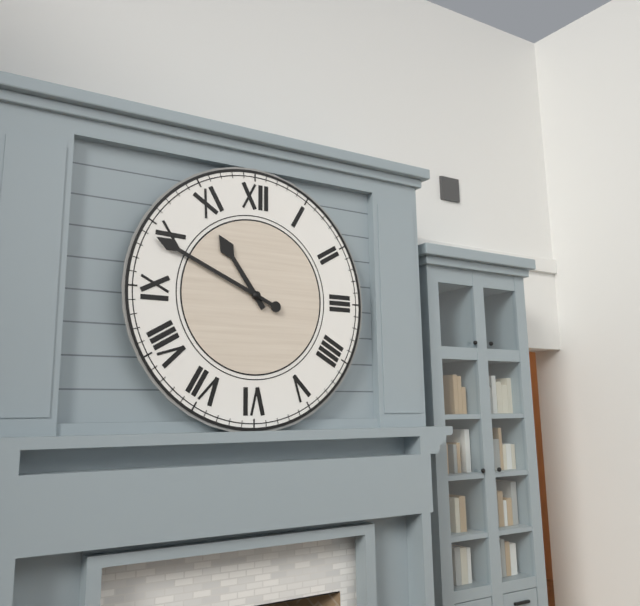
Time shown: h=10 m=49
